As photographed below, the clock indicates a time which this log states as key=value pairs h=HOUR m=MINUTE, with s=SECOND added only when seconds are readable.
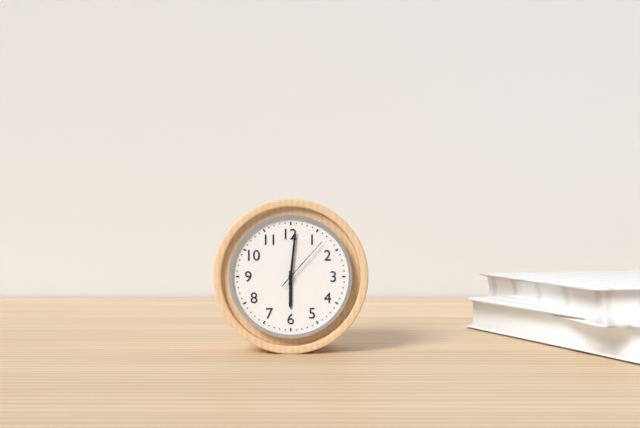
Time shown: h=6 m=1 s=7
